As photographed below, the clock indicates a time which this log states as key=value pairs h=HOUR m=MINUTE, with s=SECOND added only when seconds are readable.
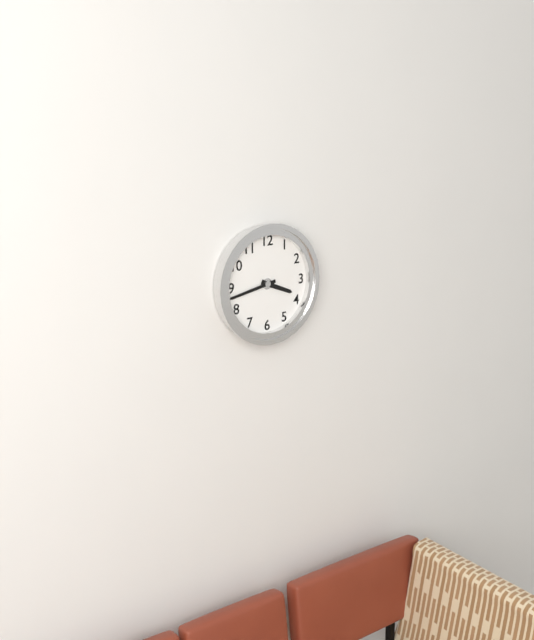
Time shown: h=3 m=43
